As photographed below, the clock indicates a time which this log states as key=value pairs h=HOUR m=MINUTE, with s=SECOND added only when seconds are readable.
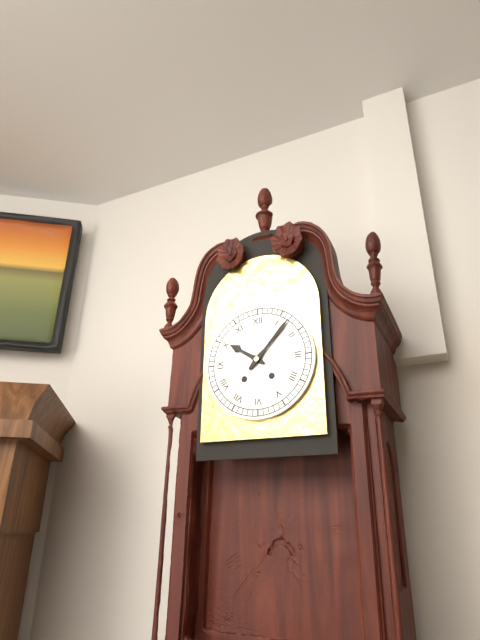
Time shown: h=10 m=7
